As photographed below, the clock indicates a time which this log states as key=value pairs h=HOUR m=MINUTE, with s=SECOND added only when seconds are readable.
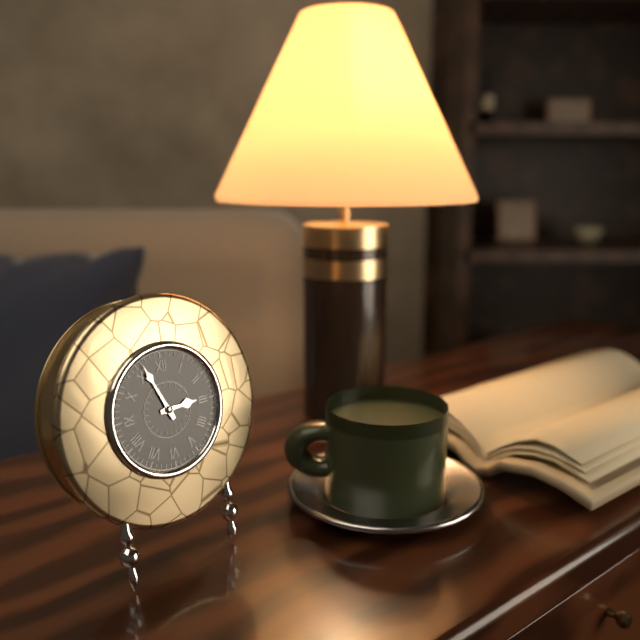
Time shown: h=2 m=56
